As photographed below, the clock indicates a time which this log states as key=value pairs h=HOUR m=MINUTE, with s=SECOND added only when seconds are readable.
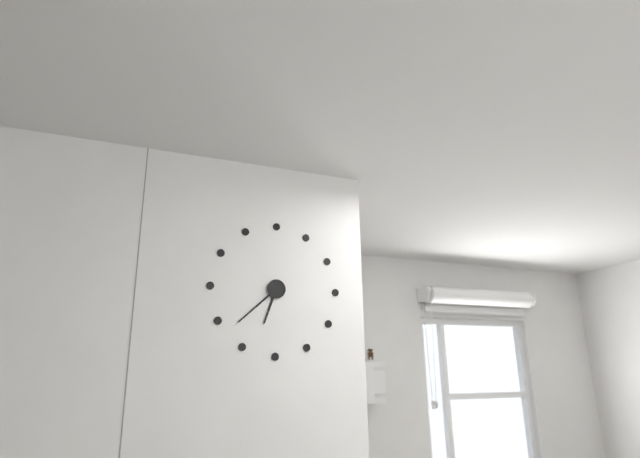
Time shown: h=6 m=38
